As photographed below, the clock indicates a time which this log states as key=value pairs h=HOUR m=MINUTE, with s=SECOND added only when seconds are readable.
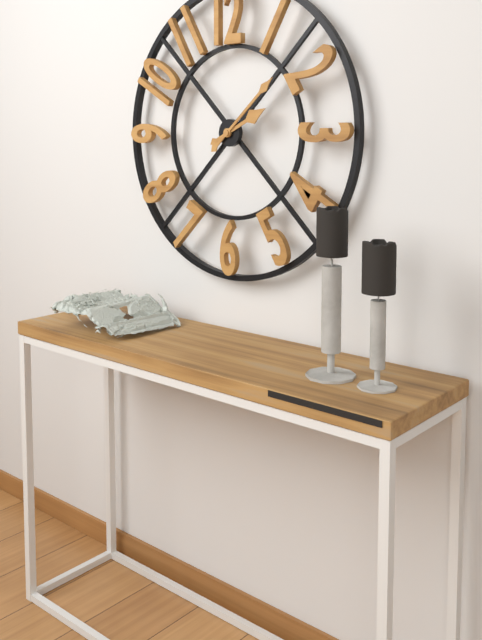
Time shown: h=2 m=8
